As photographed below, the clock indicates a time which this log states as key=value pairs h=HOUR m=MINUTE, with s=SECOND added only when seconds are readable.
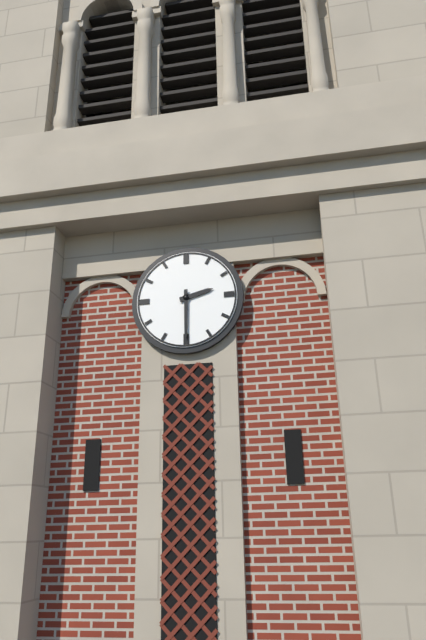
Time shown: h=2 m=30
